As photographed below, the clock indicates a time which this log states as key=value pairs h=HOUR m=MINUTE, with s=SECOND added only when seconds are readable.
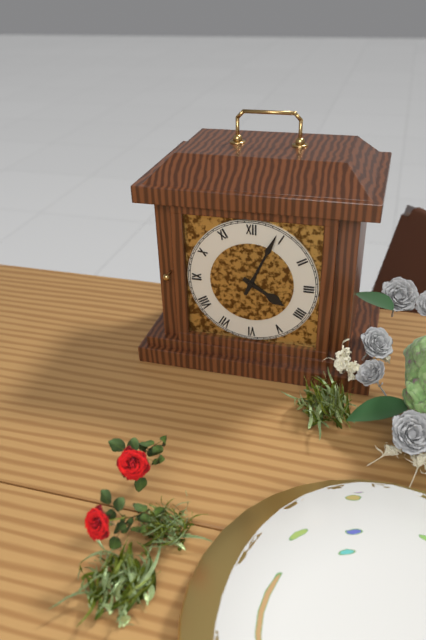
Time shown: h=4 m=4
